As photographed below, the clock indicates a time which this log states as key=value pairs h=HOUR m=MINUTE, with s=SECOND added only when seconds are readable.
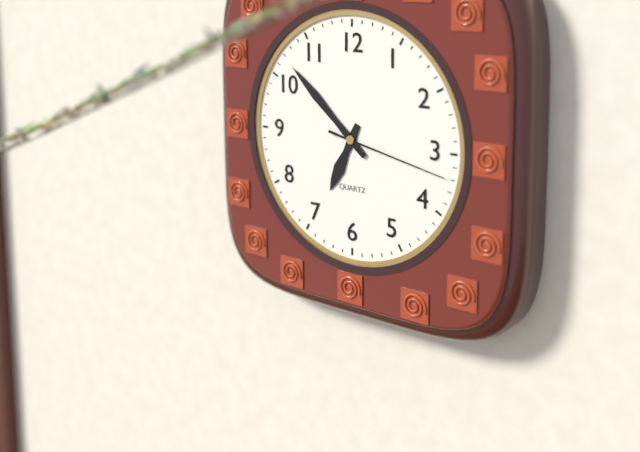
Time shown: h=6 m=52 s=17
